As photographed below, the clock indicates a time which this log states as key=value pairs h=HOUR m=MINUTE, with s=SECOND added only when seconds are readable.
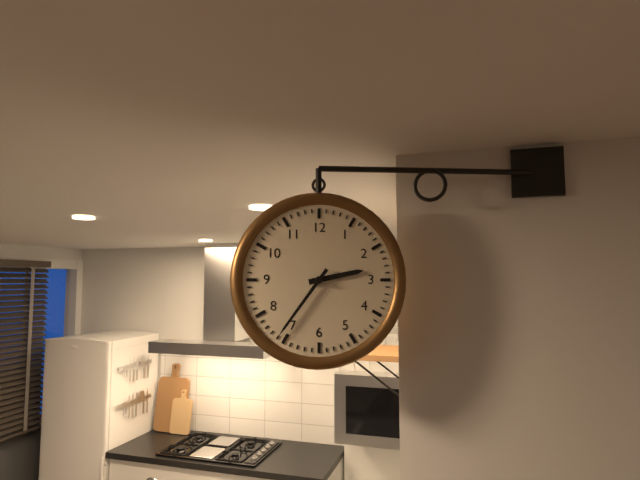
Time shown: h=2 m=36
